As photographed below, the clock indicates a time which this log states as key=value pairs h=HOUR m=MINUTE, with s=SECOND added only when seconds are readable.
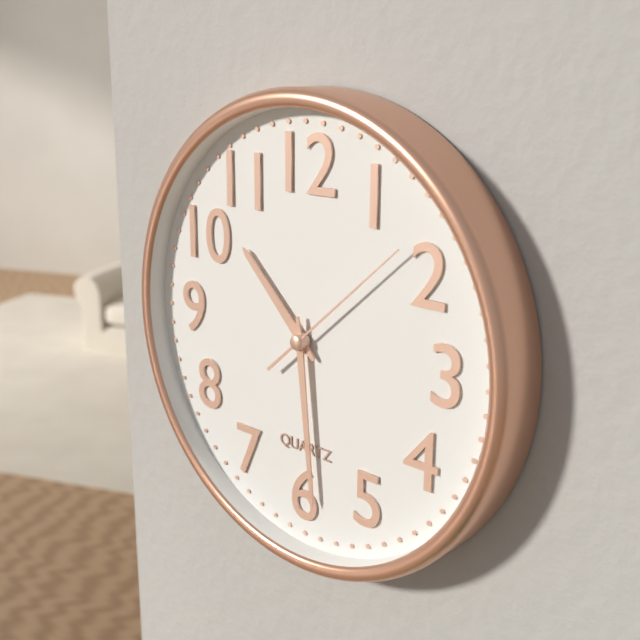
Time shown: h=10 m=29 s=8
